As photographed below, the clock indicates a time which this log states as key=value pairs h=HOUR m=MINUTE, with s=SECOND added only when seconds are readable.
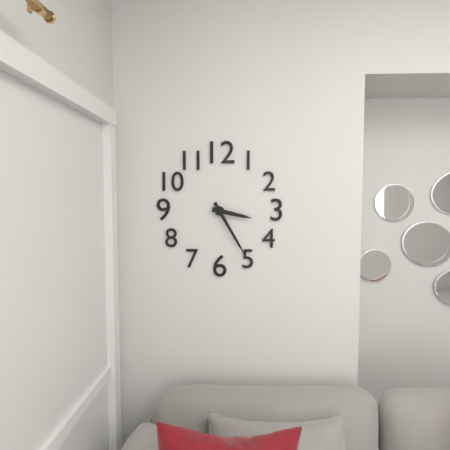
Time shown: h=3 m=25
